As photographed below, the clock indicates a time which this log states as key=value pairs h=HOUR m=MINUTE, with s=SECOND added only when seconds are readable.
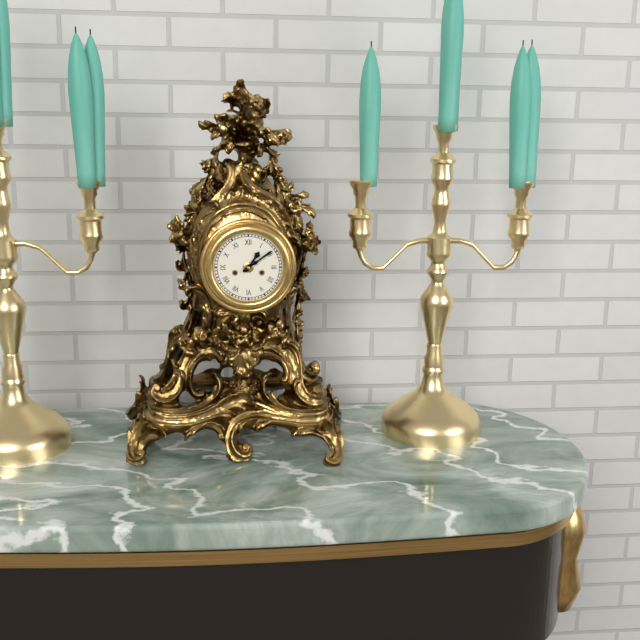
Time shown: h=1 m=9
